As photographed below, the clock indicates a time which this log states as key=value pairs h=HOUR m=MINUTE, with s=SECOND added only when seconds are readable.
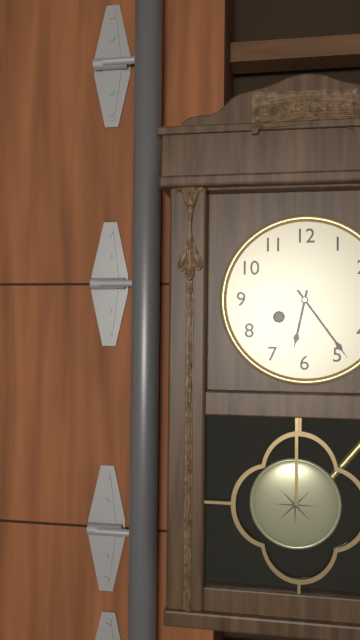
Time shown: h=6 m=24
